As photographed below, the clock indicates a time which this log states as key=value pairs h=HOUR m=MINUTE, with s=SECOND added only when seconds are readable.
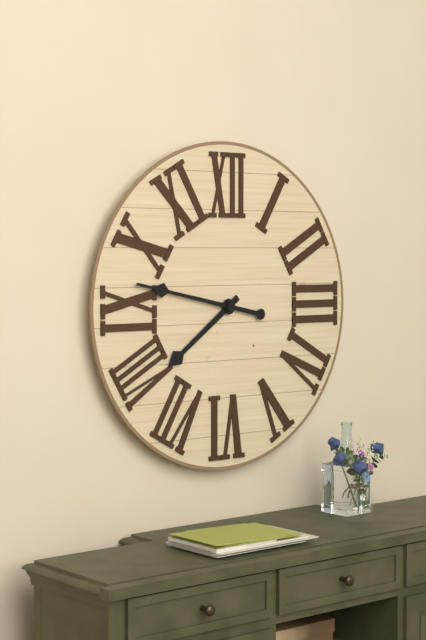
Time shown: h=7 m=47
